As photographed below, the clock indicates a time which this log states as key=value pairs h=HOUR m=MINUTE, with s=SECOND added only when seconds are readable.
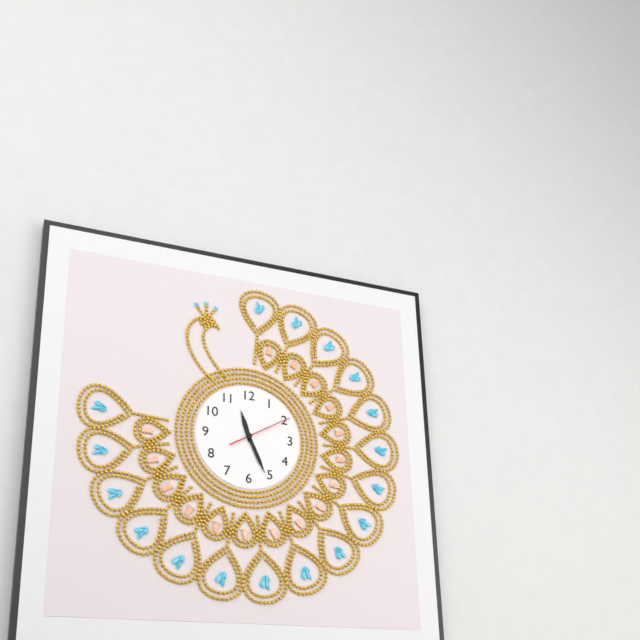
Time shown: h=11 m=26 s=10
